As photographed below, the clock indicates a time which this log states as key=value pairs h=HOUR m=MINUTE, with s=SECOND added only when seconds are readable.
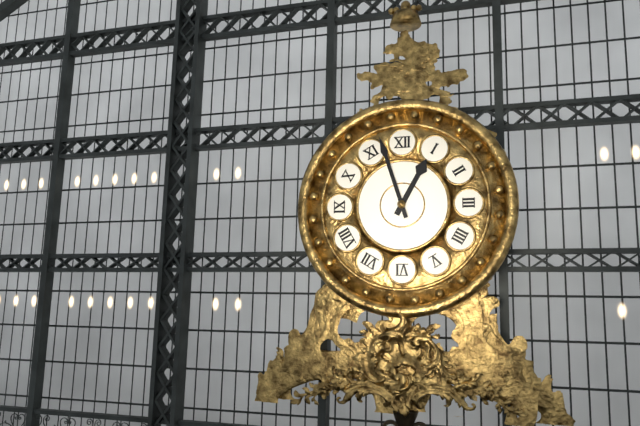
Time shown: h=12 m=57
